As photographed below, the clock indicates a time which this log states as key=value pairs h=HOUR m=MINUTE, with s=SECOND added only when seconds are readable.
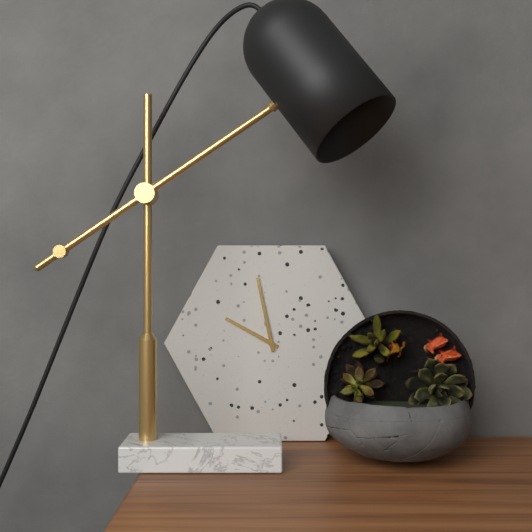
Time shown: h=9 m=58
